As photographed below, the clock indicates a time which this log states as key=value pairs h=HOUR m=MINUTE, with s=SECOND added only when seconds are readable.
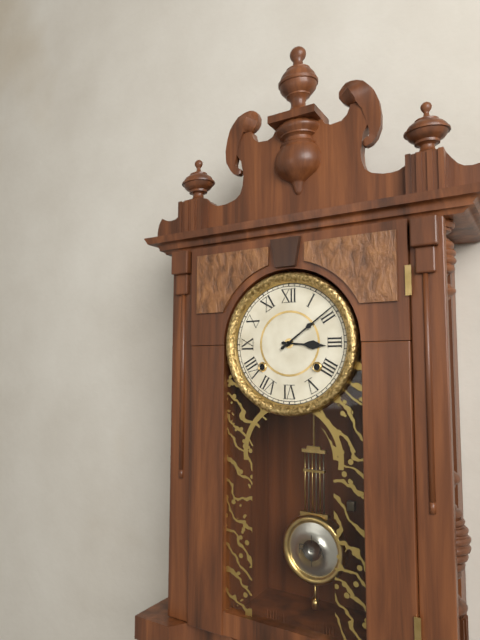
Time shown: h=3 m=9
